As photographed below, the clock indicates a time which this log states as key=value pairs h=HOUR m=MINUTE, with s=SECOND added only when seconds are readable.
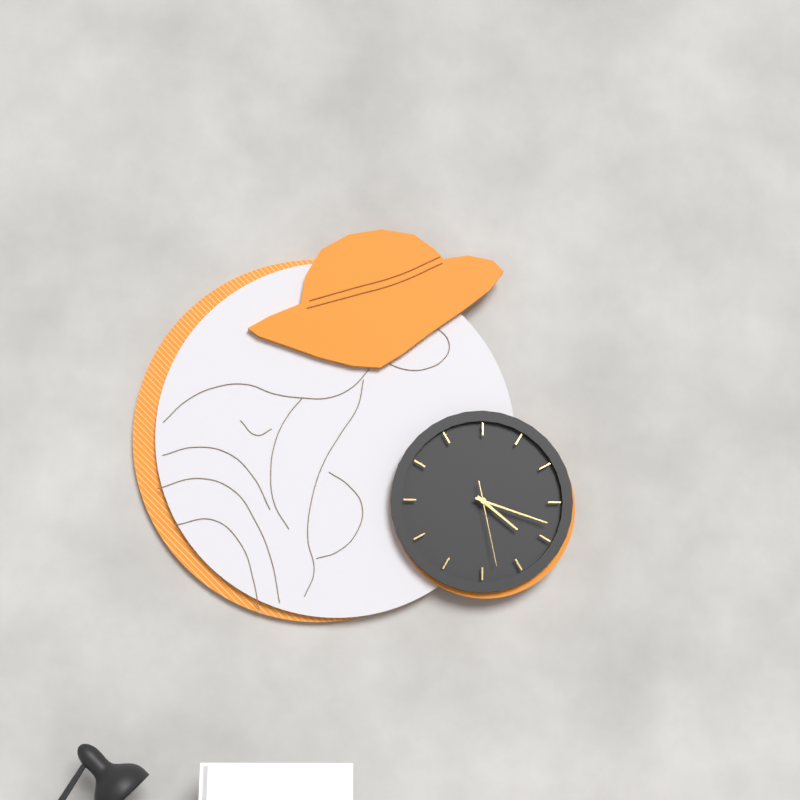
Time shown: h=4 m=18 s=28
